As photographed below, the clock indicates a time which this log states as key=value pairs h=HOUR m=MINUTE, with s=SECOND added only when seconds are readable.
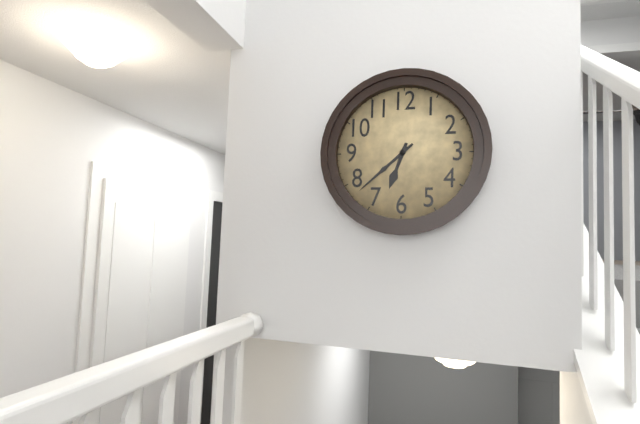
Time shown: h=6 m=38
